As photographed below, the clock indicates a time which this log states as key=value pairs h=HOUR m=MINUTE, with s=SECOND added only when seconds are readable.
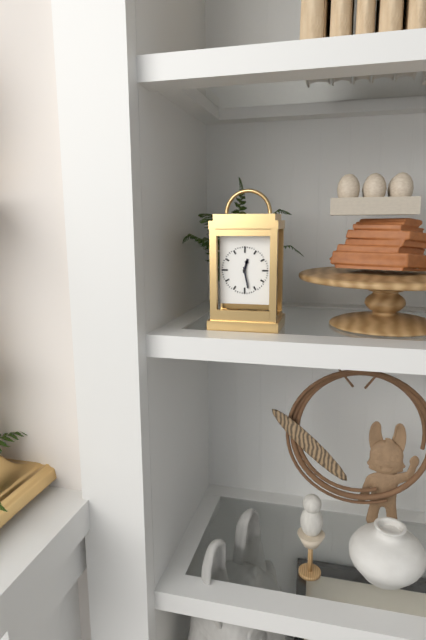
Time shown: h=12 m=28
